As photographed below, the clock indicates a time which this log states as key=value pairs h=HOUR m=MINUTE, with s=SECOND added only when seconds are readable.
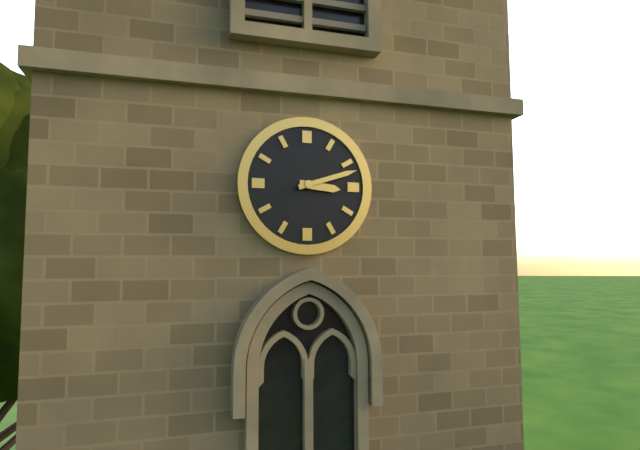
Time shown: h=3 m=12
